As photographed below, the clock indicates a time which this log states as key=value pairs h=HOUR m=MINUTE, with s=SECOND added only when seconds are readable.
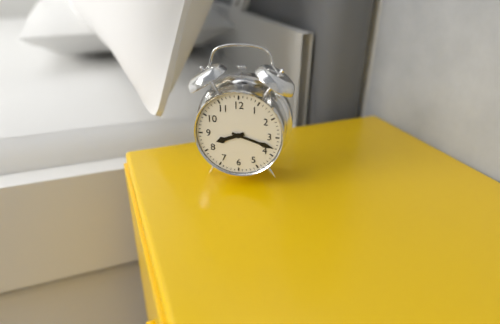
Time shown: h=8 m=18
